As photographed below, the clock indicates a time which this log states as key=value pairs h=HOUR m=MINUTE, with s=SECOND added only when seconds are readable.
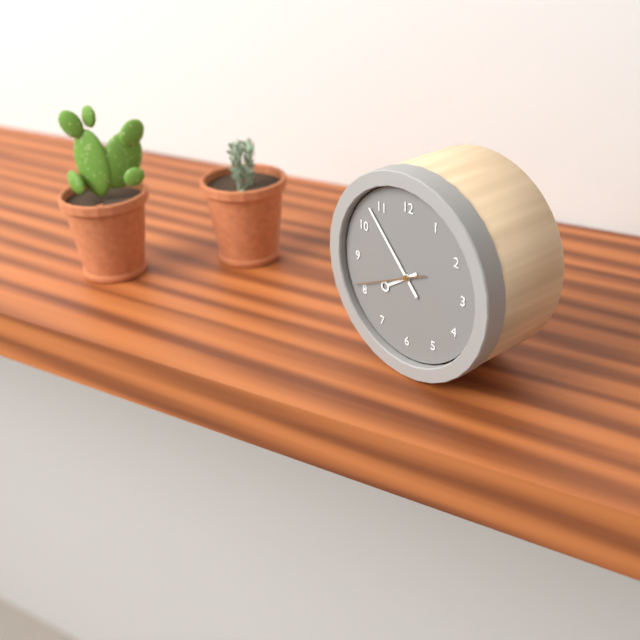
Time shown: h=7 m=53 s=41
